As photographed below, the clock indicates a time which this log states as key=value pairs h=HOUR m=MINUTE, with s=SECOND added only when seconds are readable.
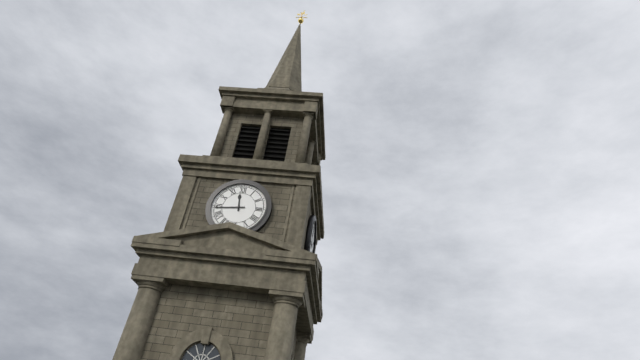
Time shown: h=11 m=44
